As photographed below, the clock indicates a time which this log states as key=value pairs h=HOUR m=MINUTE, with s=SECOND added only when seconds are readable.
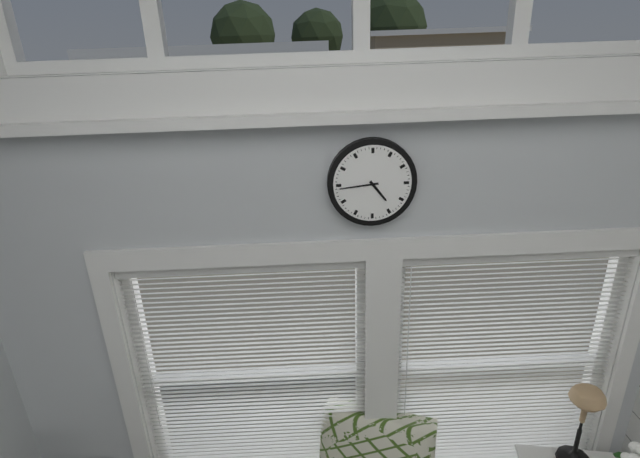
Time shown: h=4 m=44
